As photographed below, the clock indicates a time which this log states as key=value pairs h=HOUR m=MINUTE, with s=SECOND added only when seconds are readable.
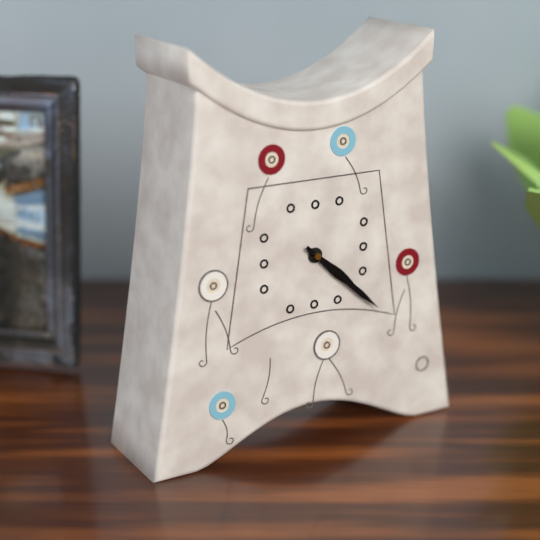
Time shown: h=4 m=22
